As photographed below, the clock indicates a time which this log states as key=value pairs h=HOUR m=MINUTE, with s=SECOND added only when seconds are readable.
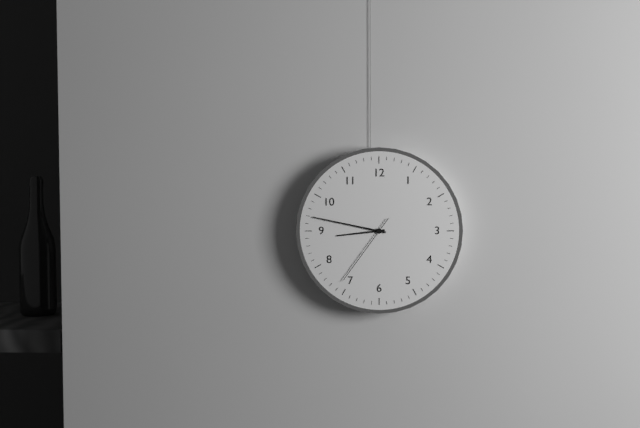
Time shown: h=8 m=47 s=36
